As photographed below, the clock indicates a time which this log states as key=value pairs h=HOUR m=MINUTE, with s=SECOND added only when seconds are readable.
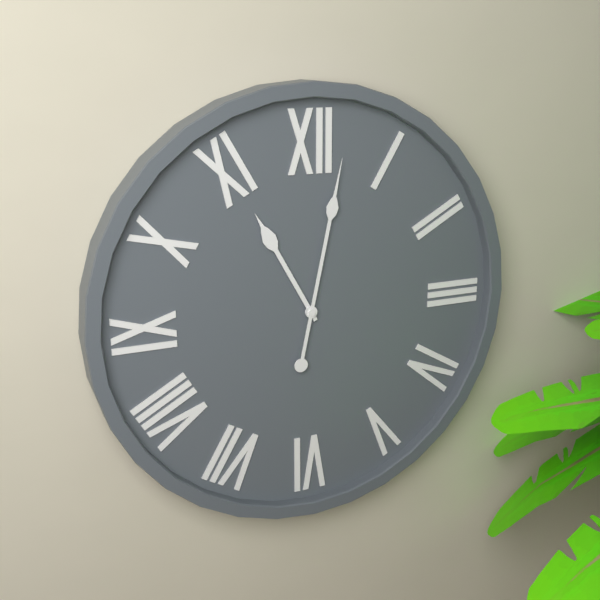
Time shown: h=11 m=2
